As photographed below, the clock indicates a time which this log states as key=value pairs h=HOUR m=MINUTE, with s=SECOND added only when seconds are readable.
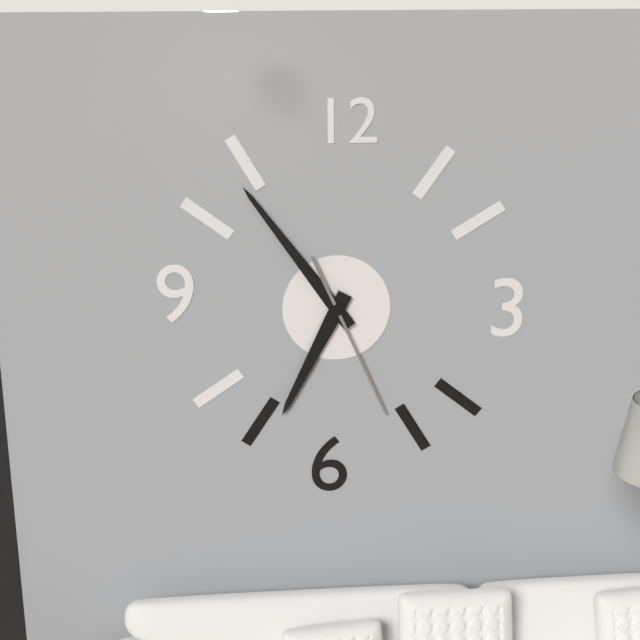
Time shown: h=6 m=54 s=26
